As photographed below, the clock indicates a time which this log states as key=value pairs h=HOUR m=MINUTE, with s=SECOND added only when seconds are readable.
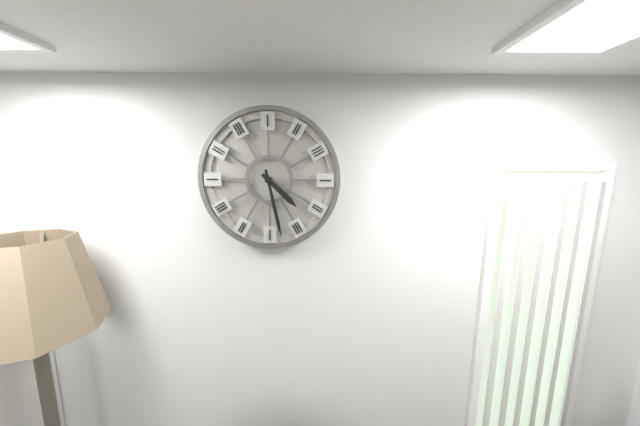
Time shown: h=4 m=28
